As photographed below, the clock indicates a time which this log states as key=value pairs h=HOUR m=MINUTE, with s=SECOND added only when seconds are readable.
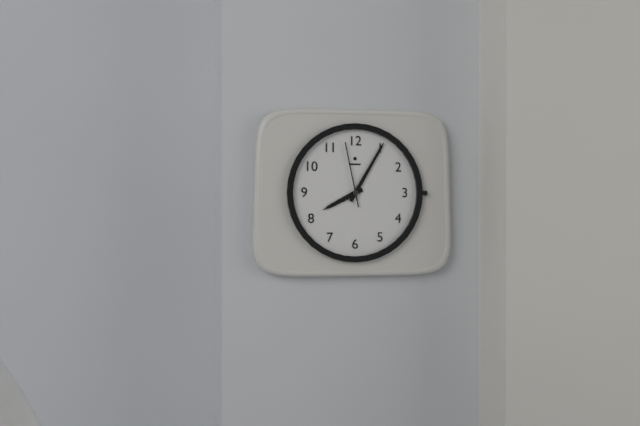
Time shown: h=8 m=5 s=58
